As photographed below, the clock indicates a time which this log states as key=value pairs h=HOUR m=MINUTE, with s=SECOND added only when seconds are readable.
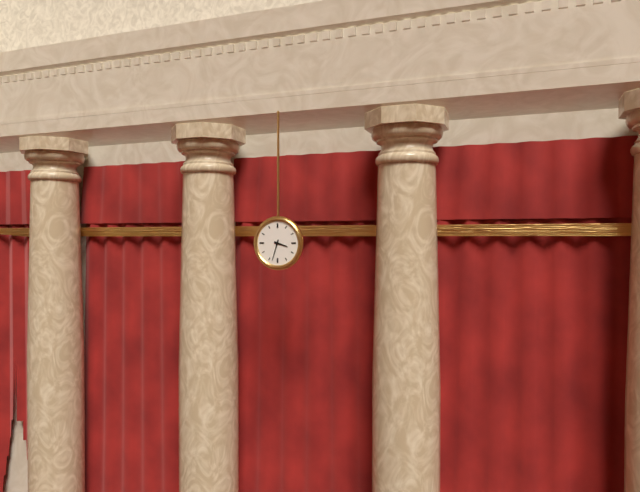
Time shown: h=3 m=33
